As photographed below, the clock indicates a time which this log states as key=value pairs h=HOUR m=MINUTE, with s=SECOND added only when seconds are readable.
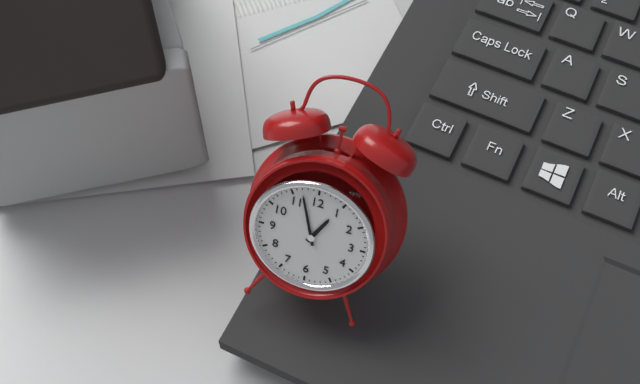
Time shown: h=12 m=57
